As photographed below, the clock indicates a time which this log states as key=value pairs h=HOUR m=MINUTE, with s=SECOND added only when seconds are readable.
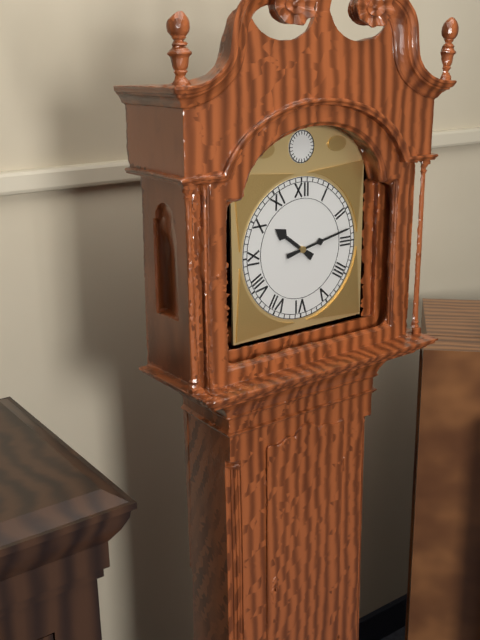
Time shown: h=10 m=13
